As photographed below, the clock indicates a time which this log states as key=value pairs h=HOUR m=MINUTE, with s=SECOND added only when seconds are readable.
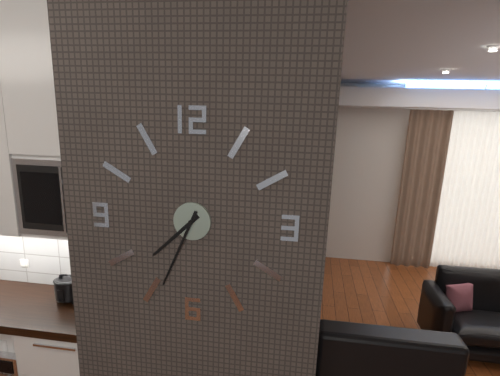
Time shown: h=7 m=34
